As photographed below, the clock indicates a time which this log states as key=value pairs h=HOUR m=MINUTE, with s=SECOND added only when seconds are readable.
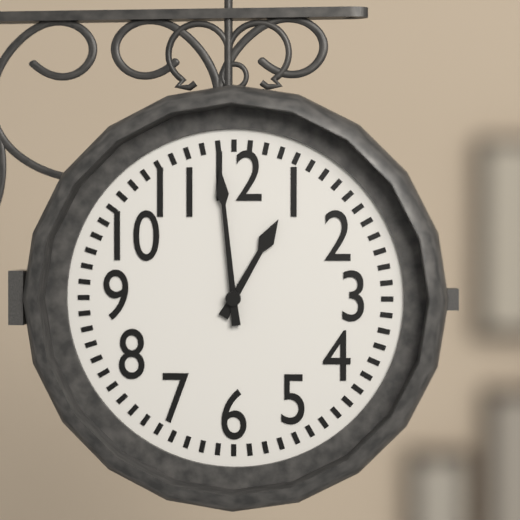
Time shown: h=12 m=59
